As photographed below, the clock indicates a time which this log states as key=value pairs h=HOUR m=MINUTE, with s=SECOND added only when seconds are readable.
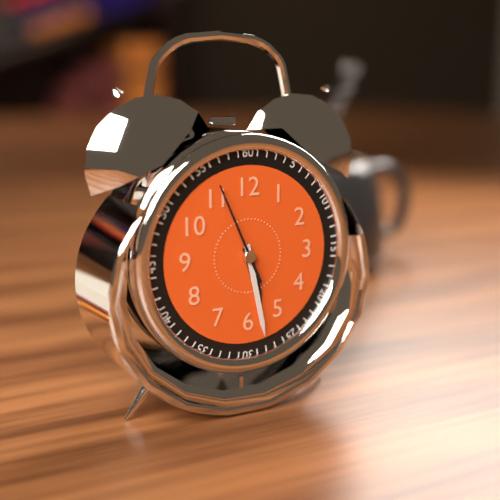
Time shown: h=5 m=28 s=56
